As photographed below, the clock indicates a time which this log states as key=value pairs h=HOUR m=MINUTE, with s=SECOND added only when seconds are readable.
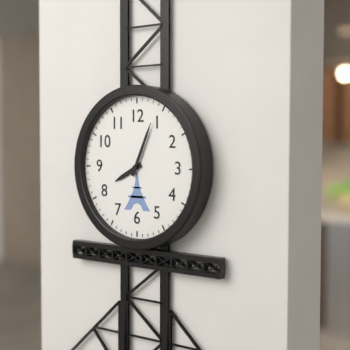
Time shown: h=8 m=4
